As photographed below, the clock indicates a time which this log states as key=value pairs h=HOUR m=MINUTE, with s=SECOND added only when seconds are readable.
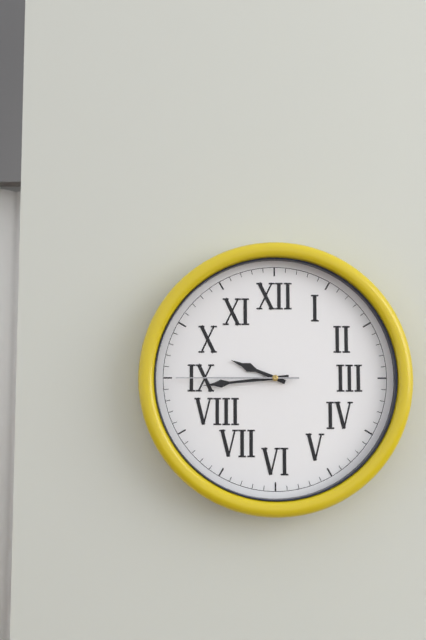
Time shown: h=9 m=44 s=45
